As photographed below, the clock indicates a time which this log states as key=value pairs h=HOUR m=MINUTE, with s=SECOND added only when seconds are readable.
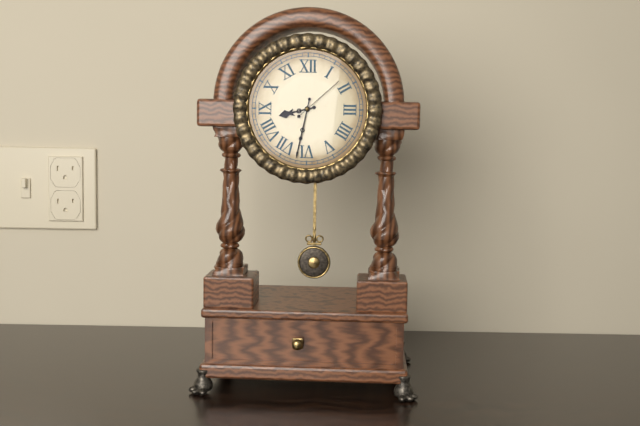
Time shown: h=8 m=32 s=8
